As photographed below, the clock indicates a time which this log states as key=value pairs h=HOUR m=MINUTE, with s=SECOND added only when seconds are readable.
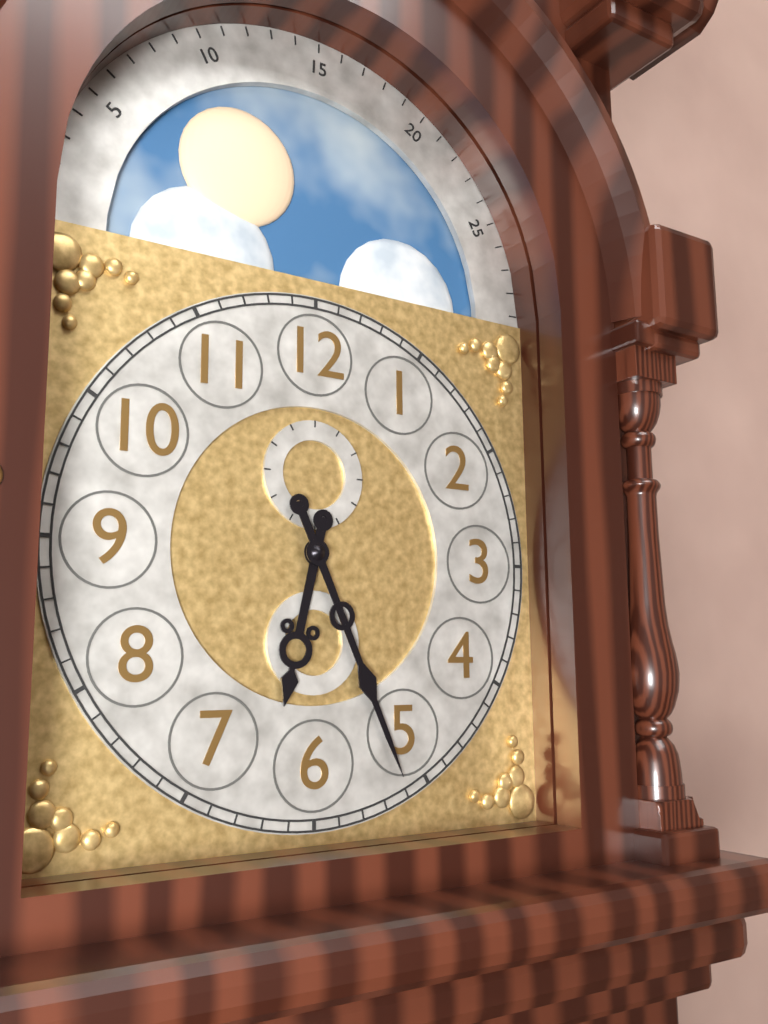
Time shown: h=6 m=26
